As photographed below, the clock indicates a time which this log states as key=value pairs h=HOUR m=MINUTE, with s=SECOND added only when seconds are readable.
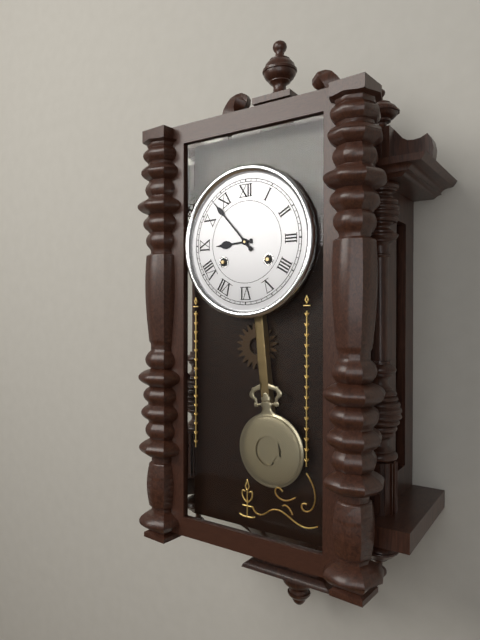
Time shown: h=8 m=53
